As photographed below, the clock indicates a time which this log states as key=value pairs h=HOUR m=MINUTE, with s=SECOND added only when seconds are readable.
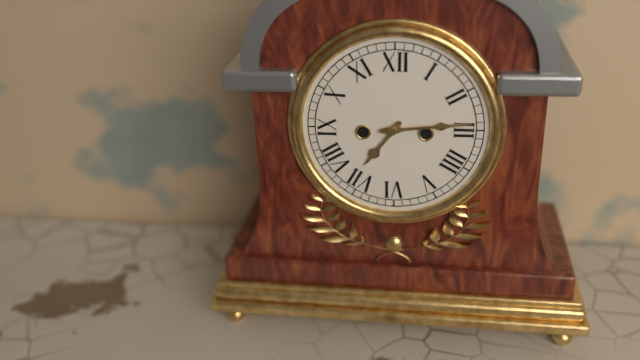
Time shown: h=7 m=14
